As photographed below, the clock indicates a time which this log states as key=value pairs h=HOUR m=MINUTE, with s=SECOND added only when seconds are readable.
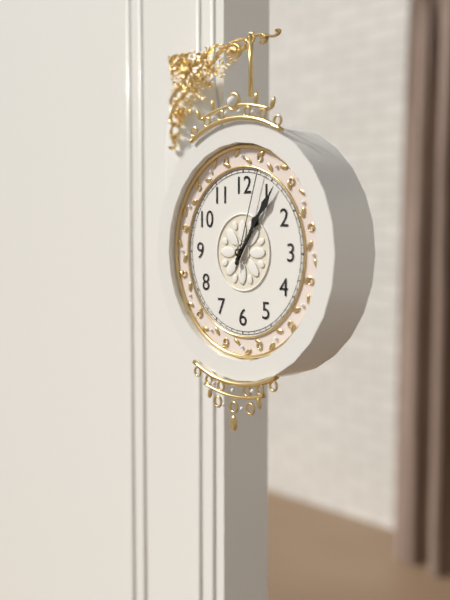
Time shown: h=1 m=6 s=3
